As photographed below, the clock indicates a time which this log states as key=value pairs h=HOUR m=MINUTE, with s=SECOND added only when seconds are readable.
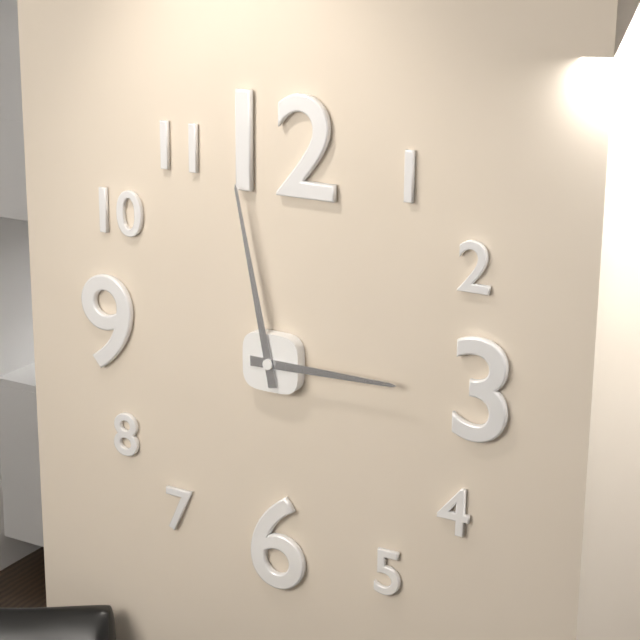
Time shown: h=2 m=58
